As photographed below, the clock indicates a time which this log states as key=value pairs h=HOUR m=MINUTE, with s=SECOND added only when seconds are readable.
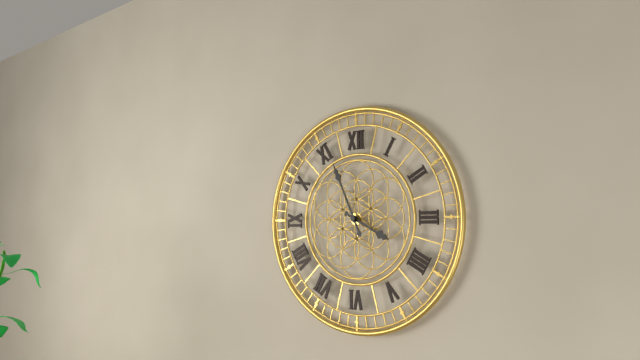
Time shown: h=3 m=56
